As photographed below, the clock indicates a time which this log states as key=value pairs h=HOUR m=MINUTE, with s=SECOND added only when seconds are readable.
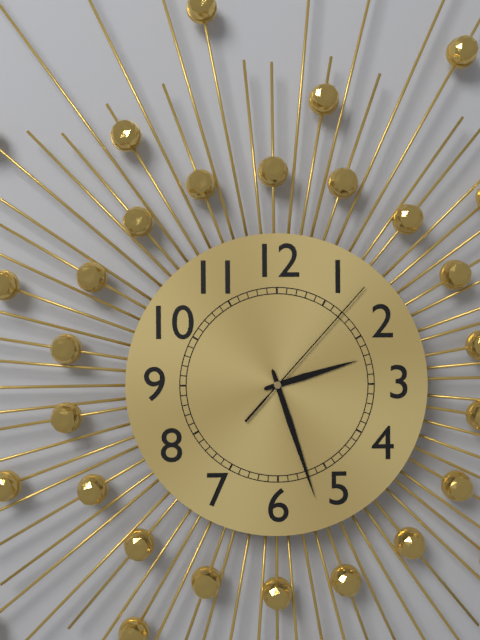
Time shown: h=2 m=27 s=7
